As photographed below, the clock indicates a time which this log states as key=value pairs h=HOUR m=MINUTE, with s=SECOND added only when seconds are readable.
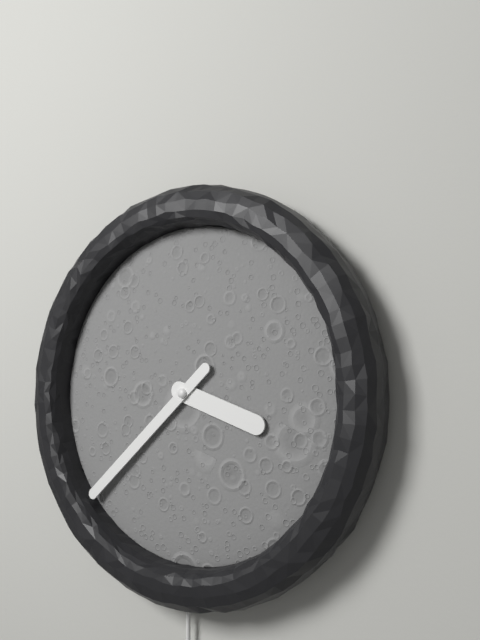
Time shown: h=3 m=38
